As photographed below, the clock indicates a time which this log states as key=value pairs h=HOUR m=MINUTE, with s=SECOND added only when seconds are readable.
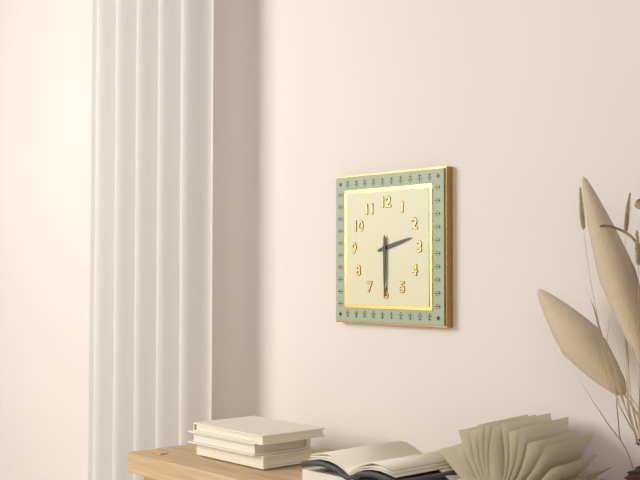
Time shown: h=2 m=30
